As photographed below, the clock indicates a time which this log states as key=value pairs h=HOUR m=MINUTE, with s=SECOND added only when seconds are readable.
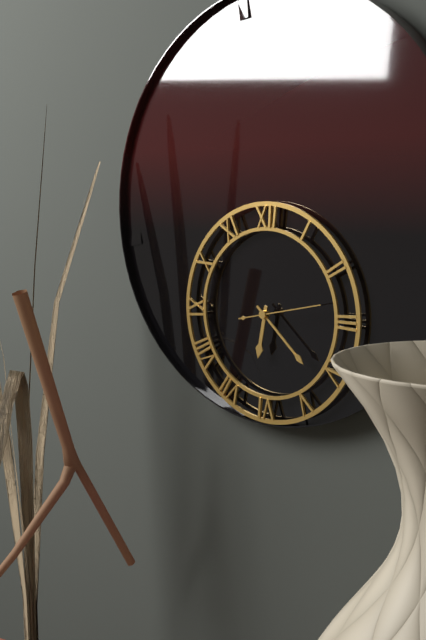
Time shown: h=6 m=22 s=13
